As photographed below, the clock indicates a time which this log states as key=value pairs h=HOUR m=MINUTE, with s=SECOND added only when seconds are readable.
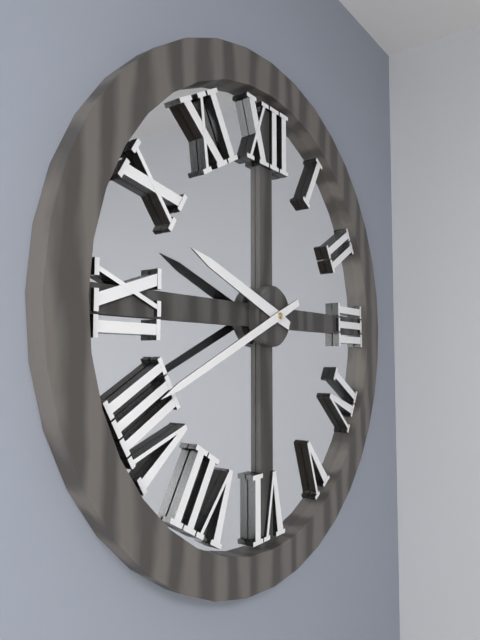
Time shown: h=9 m=41
